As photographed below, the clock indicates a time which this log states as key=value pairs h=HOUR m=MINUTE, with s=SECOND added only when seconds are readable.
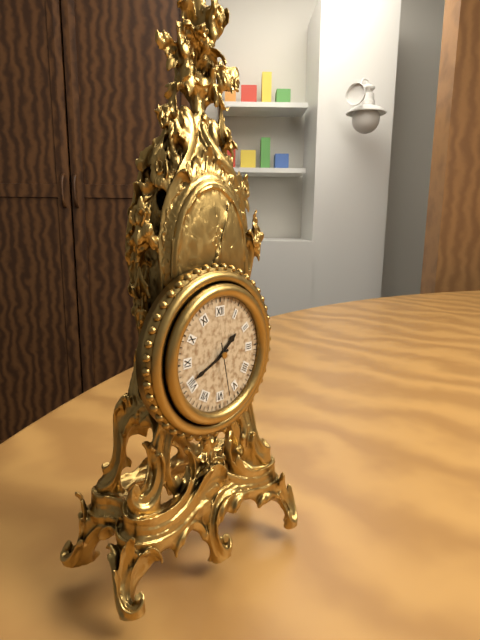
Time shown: h=1 m=41 s=28
